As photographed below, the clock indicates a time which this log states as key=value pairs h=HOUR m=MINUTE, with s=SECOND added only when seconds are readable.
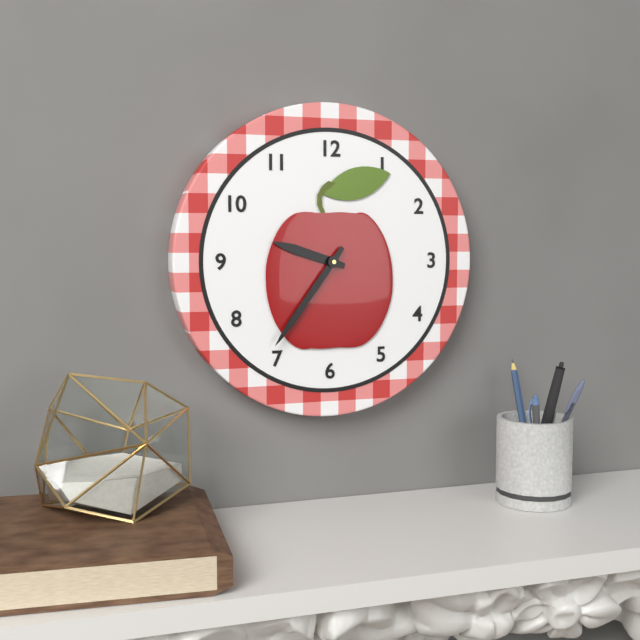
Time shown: h=9 m=36
